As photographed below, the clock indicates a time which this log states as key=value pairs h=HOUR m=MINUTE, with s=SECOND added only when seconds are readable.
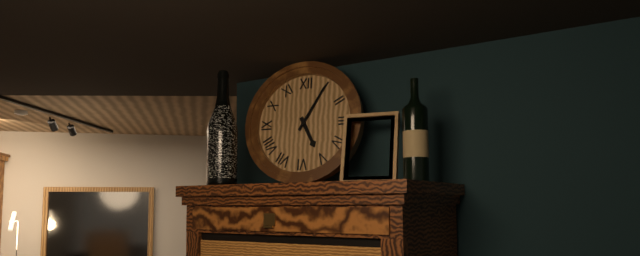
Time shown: h=5 m=5
